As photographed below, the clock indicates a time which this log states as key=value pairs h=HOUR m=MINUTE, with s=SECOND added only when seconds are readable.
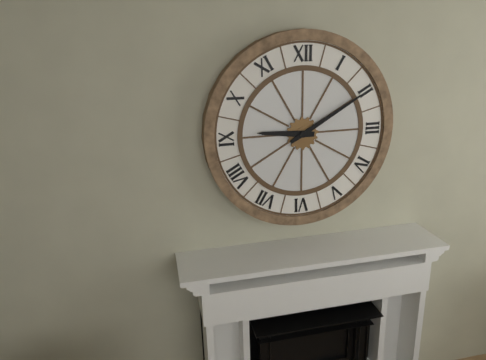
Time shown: h=9 m=10
